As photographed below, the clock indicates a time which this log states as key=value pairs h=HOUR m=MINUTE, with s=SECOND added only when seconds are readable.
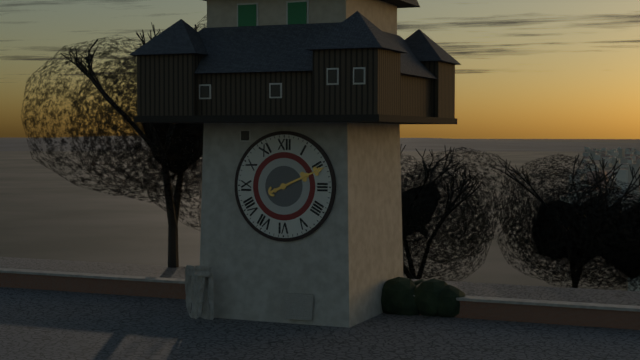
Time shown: h=2 m=11
